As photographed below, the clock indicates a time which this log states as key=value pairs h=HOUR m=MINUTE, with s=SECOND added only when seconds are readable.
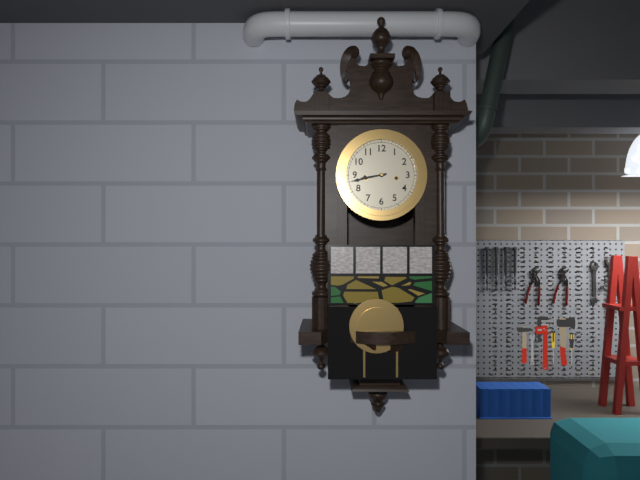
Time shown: h=8 m=43
